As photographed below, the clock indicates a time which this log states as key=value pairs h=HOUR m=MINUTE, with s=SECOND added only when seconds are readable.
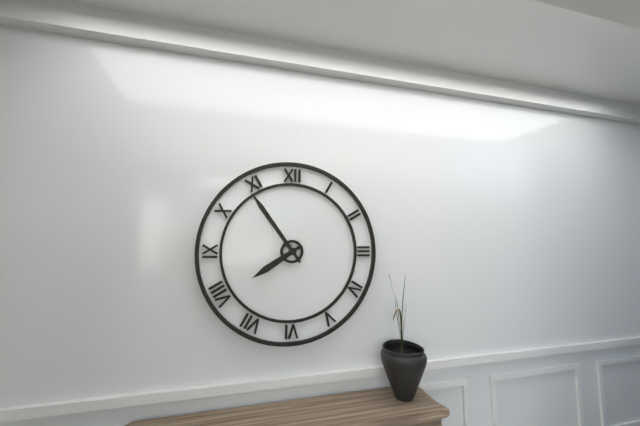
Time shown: h=7 m=54
